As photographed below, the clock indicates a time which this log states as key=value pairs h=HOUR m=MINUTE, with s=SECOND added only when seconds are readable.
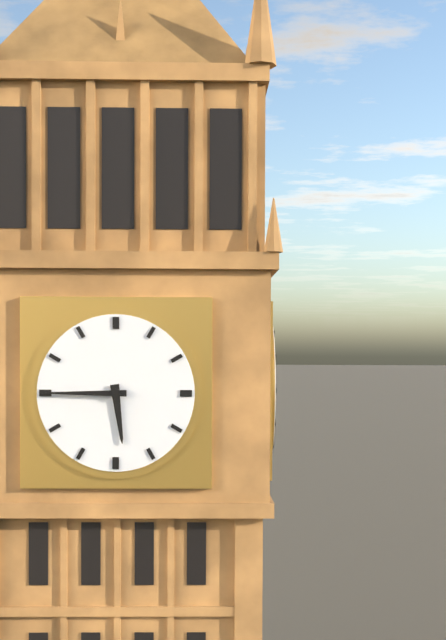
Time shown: h=5 m=45
